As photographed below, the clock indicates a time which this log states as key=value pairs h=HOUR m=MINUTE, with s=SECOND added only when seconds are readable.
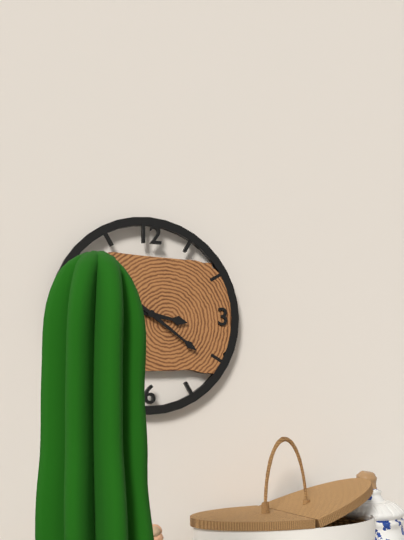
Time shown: h=3 m=21
